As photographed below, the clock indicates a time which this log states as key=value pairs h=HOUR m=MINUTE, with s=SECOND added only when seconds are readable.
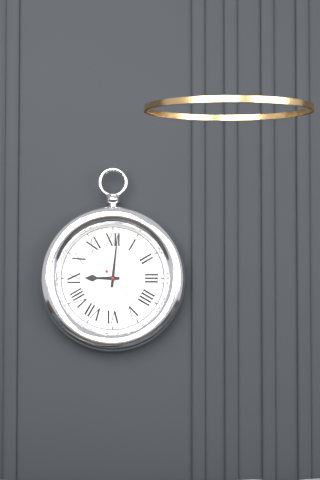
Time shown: h=9 m=1 s=23
